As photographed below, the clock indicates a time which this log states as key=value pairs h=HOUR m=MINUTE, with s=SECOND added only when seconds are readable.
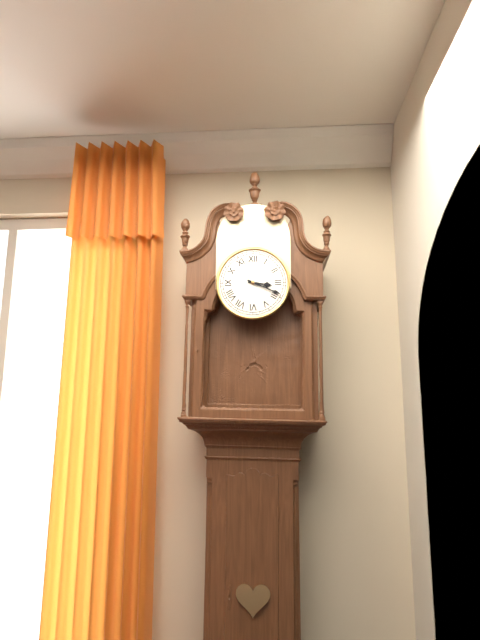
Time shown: h=3 m=19
